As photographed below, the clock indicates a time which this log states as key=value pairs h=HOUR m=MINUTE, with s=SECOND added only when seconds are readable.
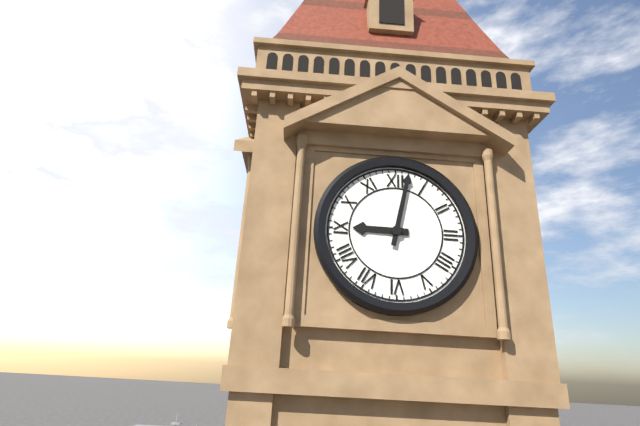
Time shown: h=9 m=2
